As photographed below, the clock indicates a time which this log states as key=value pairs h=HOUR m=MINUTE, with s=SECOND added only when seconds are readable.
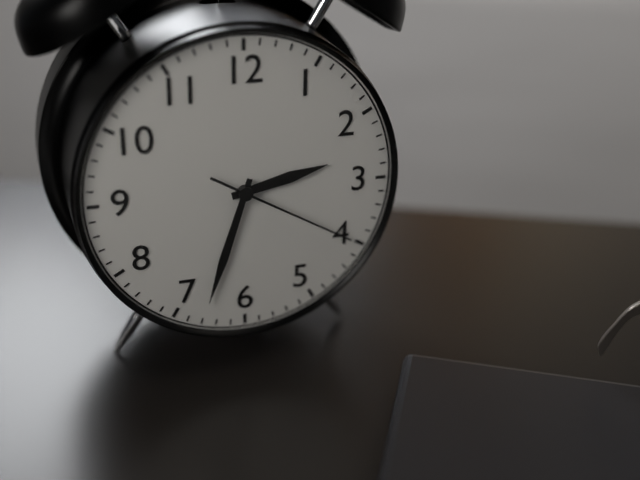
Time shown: h=2 m=33 s=20
